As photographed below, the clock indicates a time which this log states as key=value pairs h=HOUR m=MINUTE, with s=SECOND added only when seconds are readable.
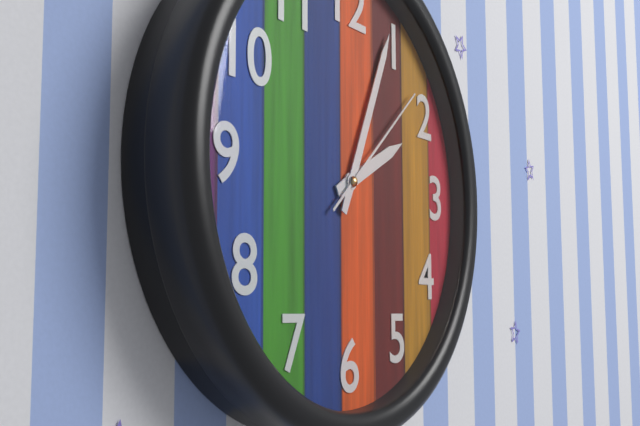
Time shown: h=2 m=4 s=8
